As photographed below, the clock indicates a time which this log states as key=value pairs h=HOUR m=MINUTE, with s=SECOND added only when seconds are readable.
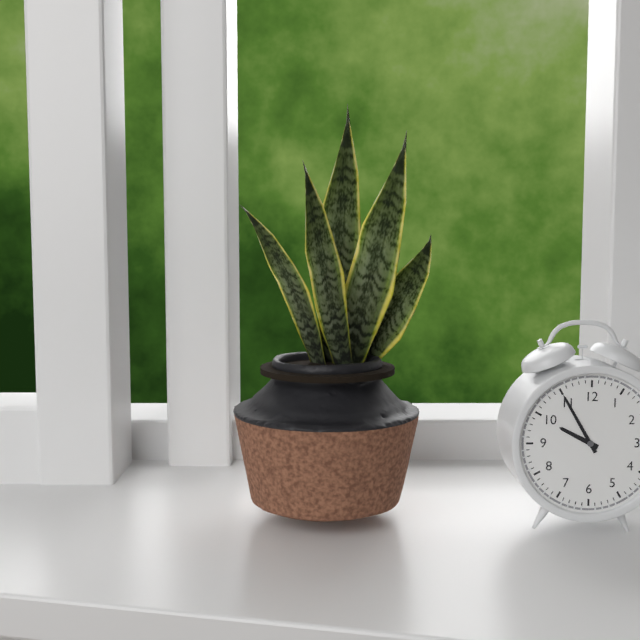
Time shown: h=9 m=55
